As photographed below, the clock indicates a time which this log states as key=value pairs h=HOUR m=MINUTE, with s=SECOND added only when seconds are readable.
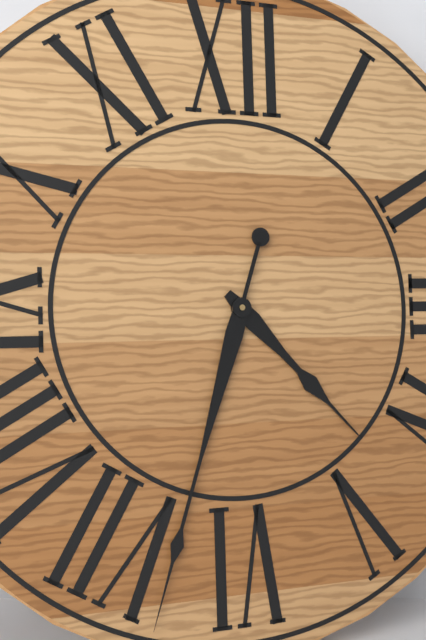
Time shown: h=4 m=33
